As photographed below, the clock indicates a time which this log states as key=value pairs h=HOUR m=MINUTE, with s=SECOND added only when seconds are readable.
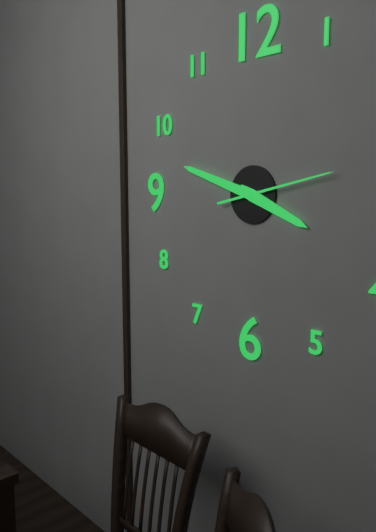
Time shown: h=3 m=48 s=13
